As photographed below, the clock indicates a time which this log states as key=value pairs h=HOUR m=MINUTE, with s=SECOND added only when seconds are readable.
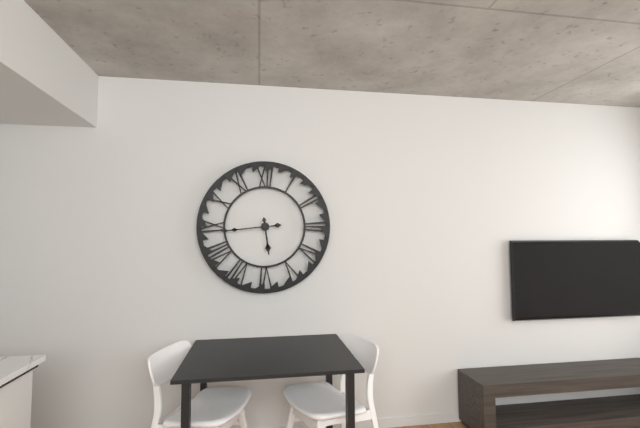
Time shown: h=5 m=44
